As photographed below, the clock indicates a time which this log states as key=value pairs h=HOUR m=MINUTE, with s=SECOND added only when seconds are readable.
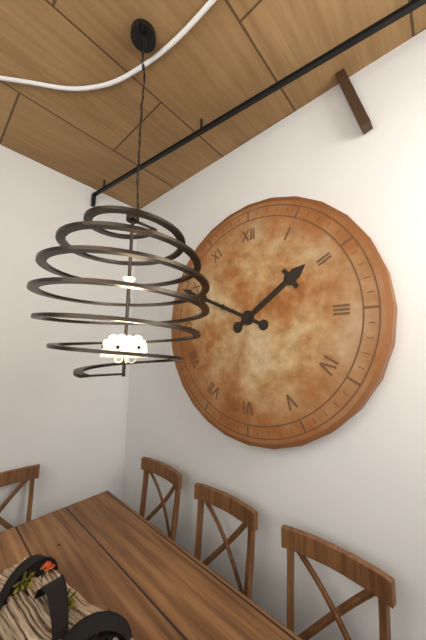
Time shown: h=1 m=49
